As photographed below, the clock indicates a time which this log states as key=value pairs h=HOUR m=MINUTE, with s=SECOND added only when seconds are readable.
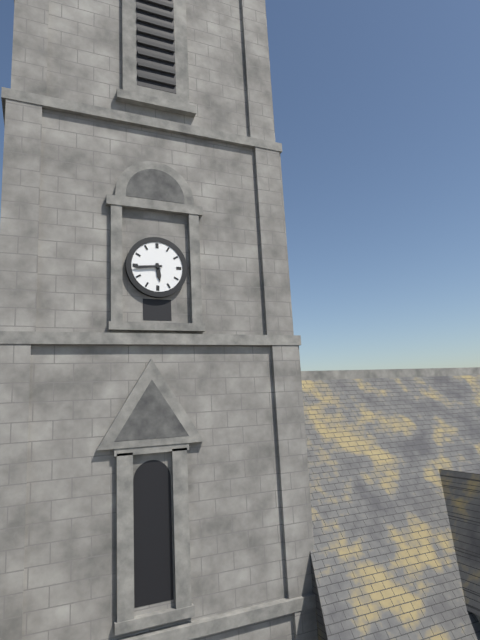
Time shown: h=5 m=44
